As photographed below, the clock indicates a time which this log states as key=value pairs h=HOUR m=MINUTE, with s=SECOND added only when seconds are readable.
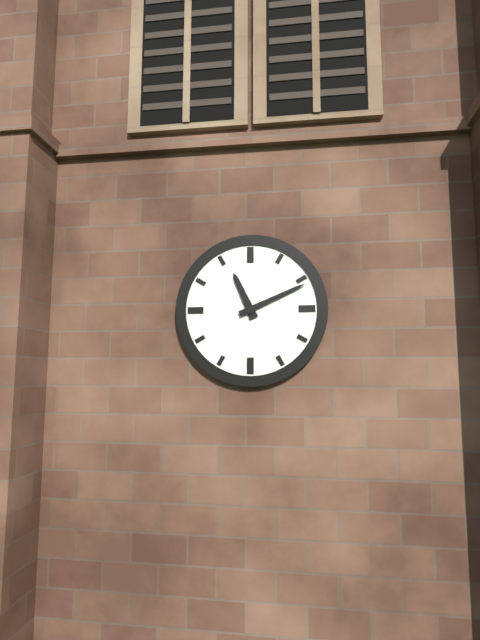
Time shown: h=11 m=11
